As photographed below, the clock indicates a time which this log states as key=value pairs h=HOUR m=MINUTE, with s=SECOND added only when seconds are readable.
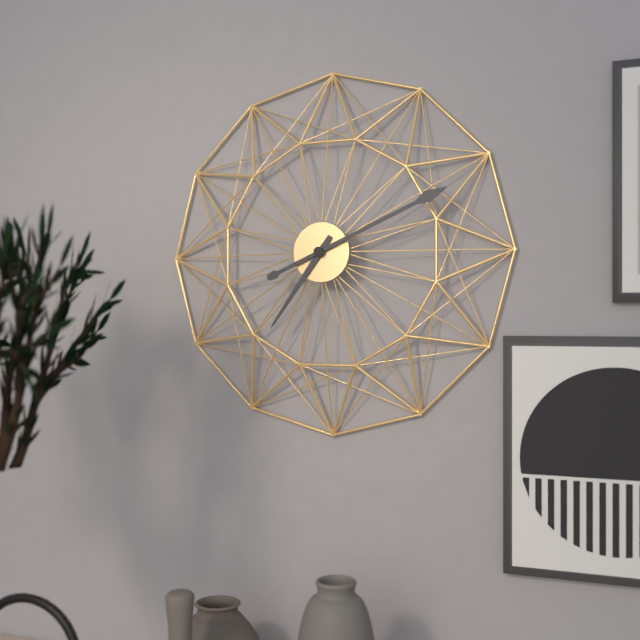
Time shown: h=7 m=11
